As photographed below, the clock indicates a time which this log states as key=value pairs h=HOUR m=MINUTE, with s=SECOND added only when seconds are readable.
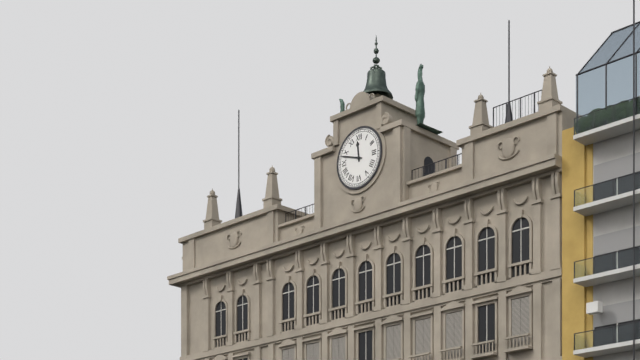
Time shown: h=11 m=48
